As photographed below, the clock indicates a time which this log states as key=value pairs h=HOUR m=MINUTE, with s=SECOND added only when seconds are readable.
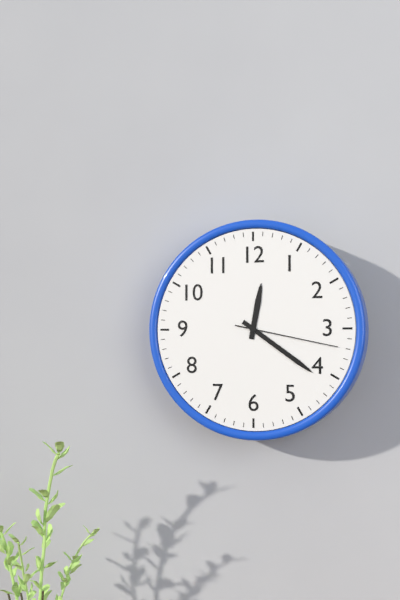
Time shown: h=12 m=21 s=17
